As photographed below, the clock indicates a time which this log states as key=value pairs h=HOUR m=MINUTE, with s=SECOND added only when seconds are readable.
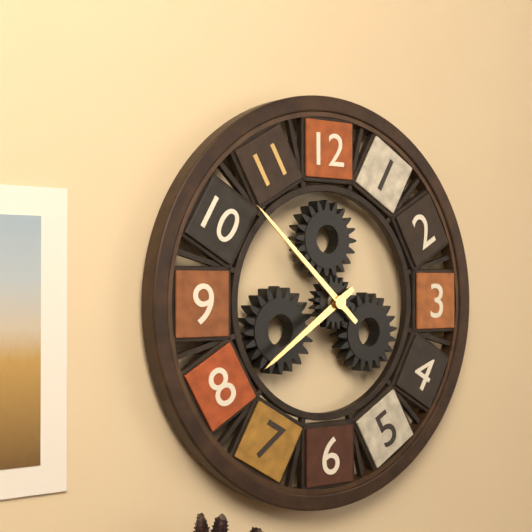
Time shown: h=7 m=52
